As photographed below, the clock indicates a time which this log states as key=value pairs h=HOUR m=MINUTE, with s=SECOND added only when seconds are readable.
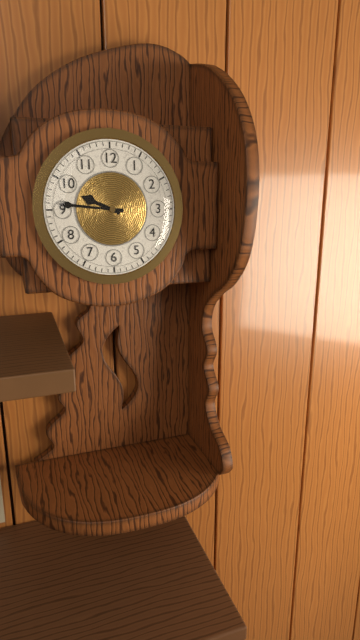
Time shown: h=9 m=46
